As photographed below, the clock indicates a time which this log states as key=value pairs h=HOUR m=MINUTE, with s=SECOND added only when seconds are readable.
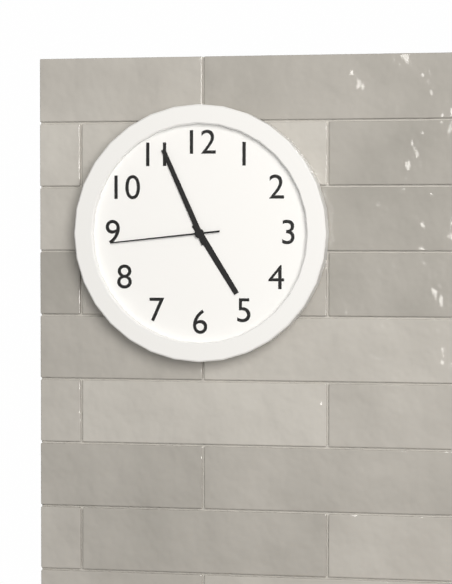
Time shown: h=4 m=56 s=44
